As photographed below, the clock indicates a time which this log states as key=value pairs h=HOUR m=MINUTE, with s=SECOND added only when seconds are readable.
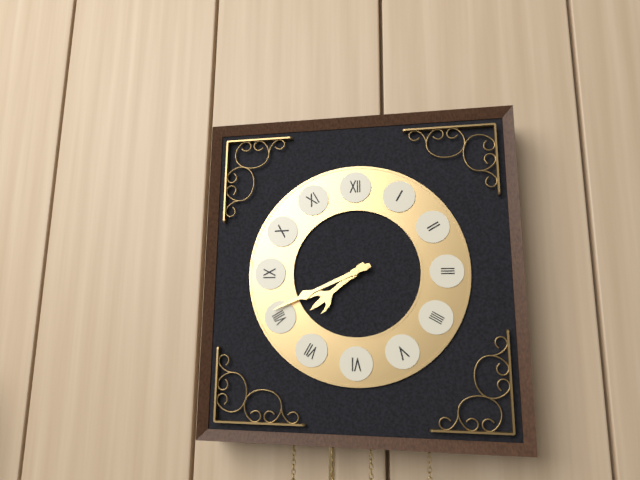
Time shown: h=7 m=41
